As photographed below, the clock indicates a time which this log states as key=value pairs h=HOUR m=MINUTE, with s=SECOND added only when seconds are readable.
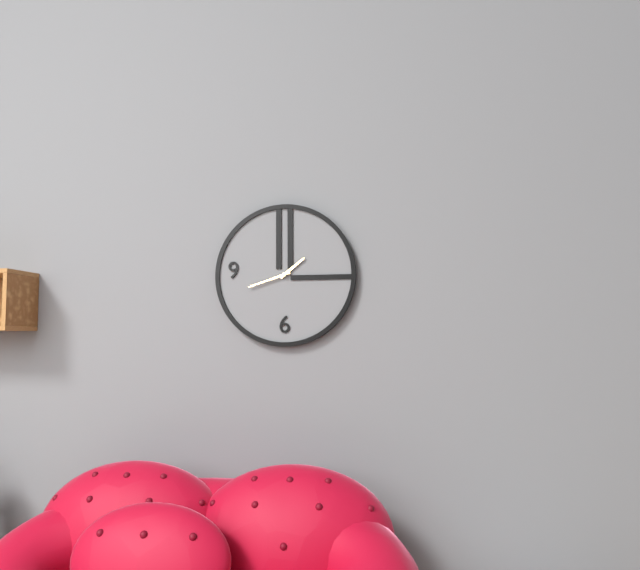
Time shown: h=1 m=42
